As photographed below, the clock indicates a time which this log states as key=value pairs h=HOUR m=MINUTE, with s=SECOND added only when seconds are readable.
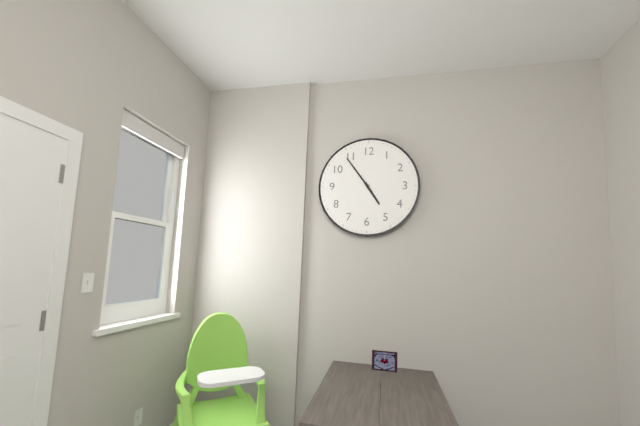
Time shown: h=4 m=54
